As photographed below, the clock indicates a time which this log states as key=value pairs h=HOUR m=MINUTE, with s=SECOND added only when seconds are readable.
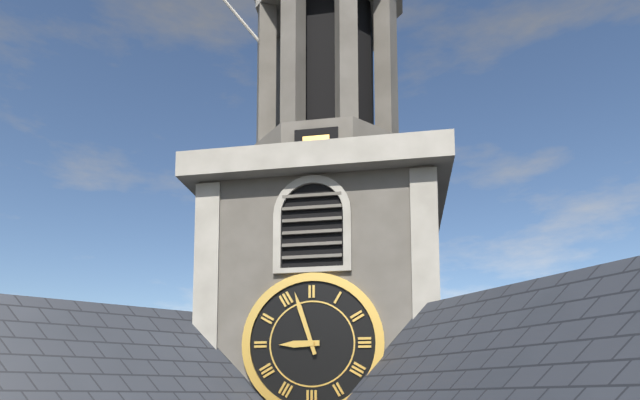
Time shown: h=8 m=57
